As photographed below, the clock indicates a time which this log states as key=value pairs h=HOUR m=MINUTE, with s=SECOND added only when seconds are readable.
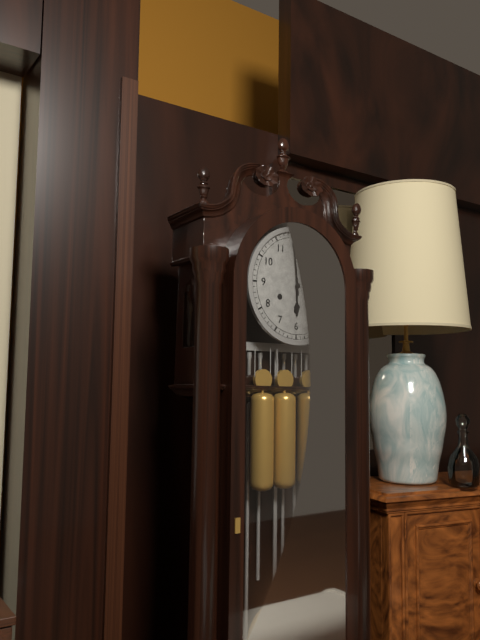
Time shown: h=5 m=59
